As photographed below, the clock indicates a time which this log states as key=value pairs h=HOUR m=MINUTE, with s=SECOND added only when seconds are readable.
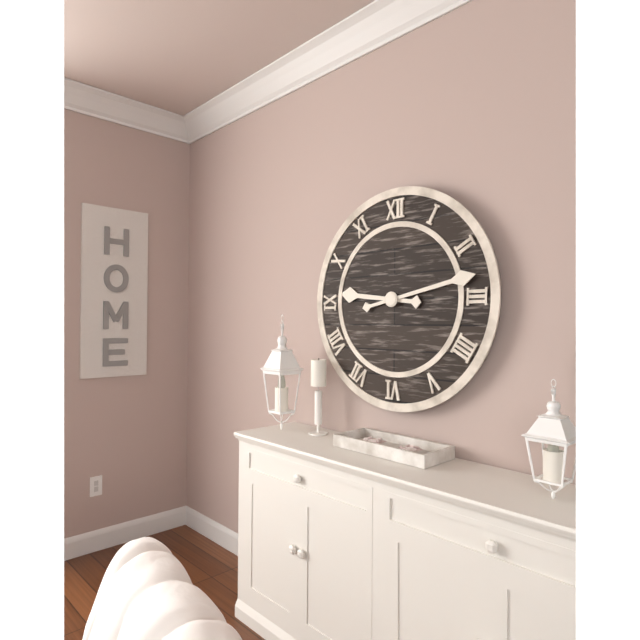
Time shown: h=9 m=13
